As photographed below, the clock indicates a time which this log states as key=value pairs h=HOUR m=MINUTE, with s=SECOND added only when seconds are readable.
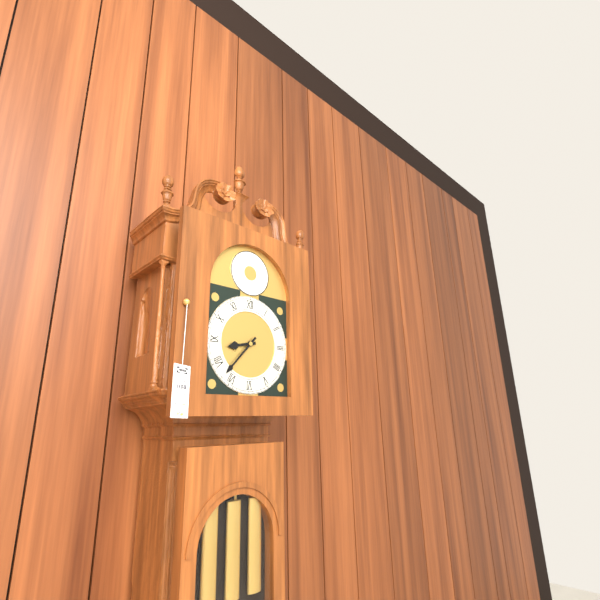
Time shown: h=8 m=37
